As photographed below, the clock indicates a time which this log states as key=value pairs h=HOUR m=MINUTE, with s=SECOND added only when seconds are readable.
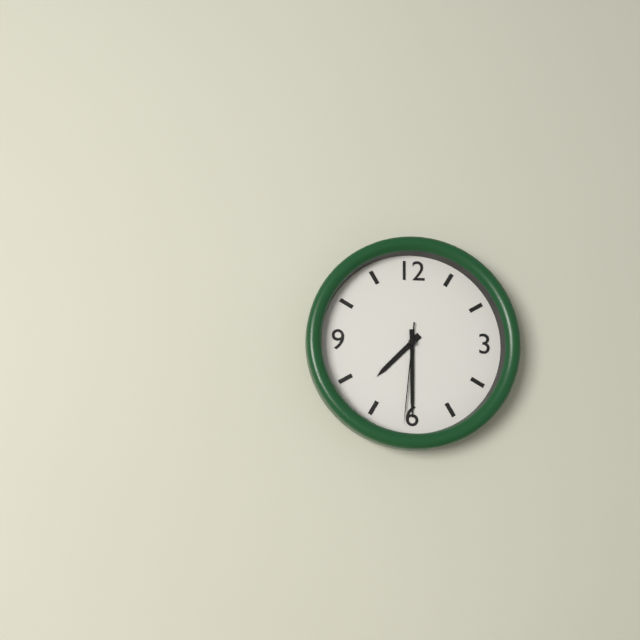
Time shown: h=7 m=30 s=31
